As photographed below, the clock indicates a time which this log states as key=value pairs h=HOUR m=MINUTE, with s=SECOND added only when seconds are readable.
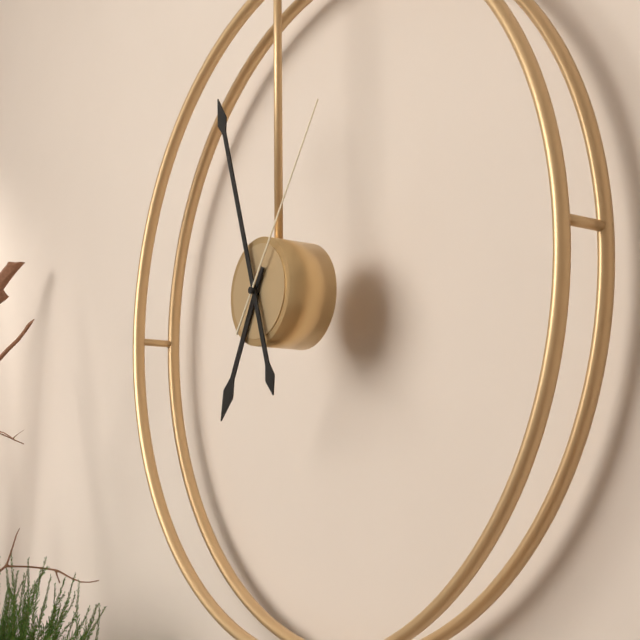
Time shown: h=6 m=57 s=6
